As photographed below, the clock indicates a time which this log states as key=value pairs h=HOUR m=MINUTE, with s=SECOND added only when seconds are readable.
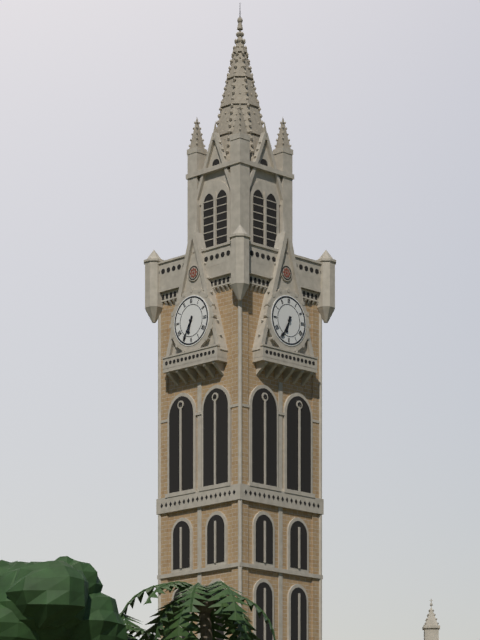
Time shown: h=6 m=35
